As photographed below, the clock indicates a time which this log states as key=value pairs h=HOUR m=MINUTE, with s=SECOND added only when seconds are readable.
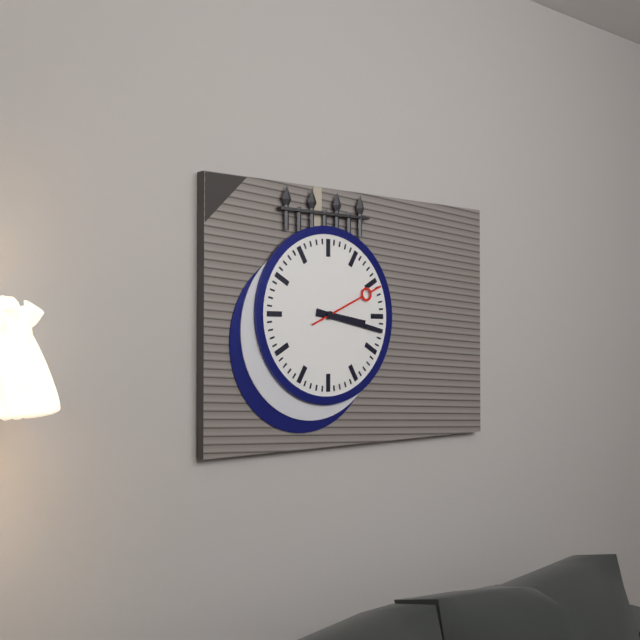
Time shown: h=3 m=17 s=11
